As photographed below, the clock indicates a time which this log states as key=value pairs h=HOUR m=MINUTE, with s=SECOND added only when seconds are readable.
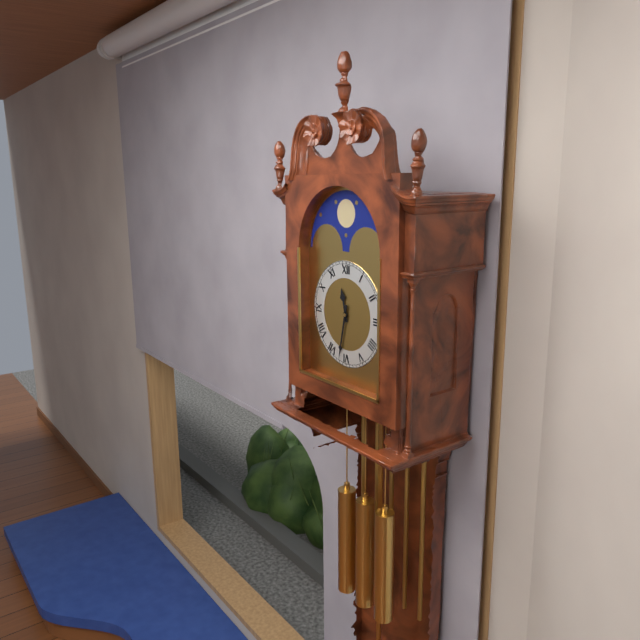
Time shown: h=11 m=32
